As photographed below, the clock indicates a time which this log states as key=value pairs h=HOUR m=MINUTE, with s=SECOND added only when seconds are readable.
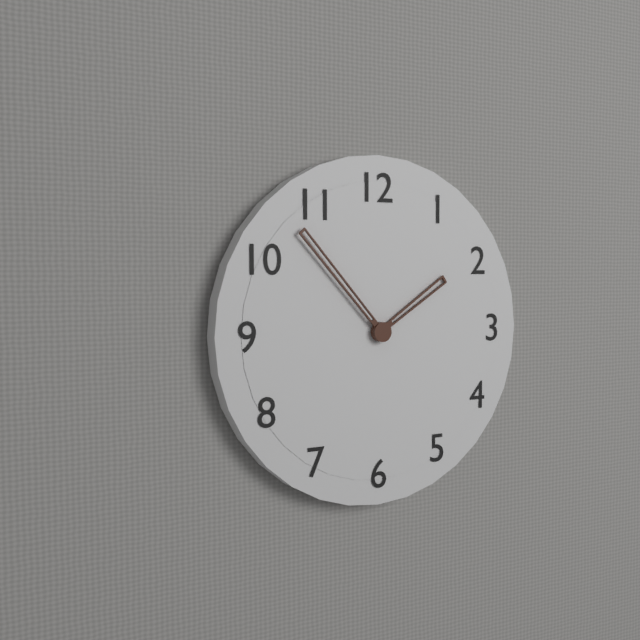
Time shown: h=1 m=53
